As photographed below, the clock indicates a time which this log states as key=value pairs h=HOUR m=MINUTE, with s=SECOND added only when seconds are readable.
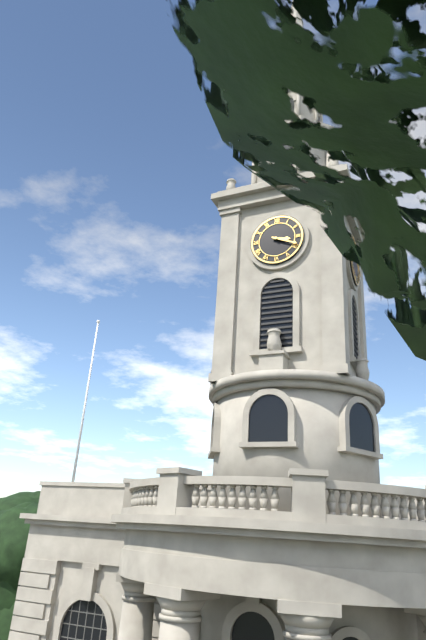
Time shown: h=3 m=19
